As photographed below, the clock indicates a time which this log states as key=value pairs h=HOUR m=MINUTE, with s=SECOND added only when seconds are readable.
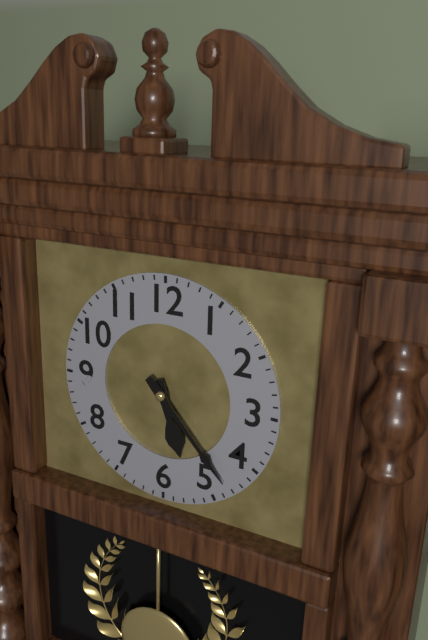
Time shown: h=5 m=23
